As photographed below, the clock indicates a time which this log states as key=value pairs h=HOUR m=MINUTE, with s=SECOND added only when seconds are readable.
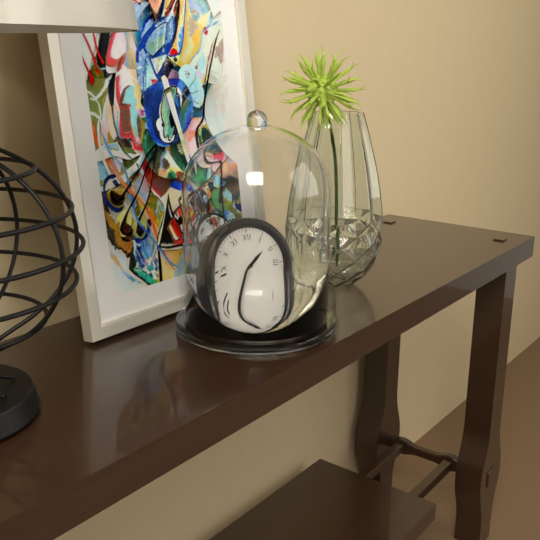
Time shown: h=1 m=38
